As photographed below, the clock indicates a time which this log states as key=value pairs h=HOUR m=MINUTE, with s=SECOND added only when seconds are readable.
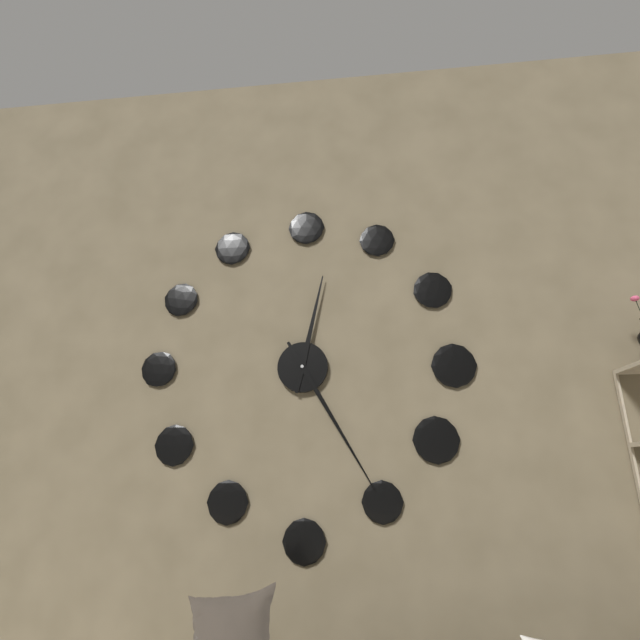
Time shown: h=12 m=25
